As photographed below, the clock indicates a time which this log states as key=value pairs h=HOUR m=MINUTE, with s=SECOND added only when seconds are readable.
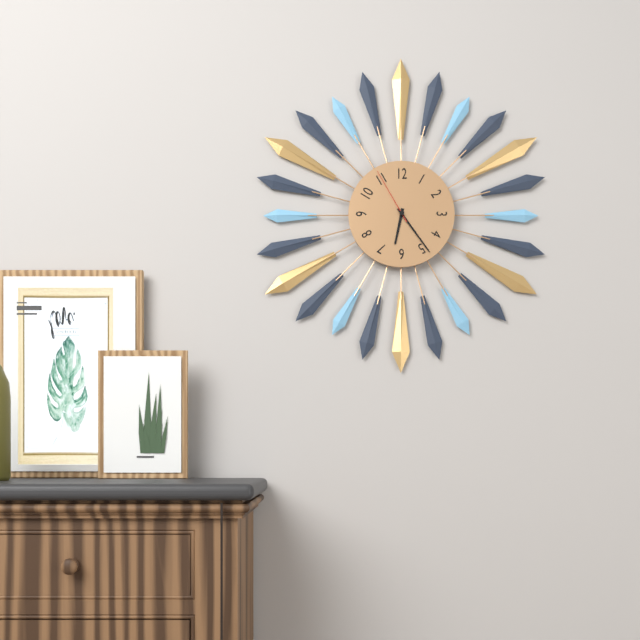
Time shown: h=6 m=24 s=55
